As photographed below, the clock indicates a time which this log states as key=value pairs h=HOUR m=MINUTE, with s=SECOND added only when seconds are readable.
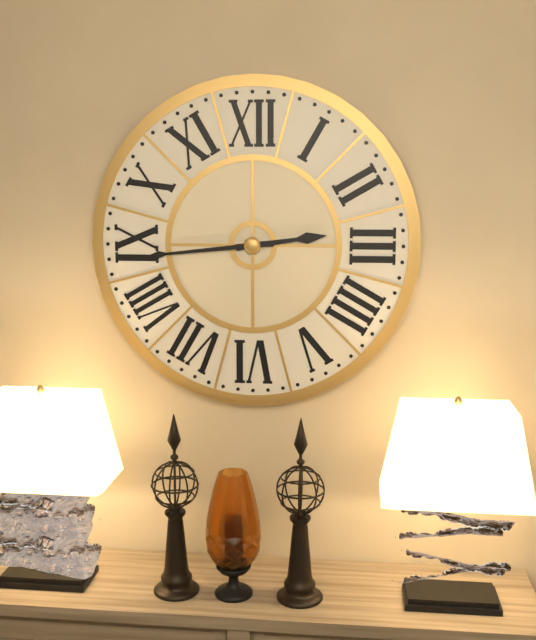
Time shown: h=2 m=44
